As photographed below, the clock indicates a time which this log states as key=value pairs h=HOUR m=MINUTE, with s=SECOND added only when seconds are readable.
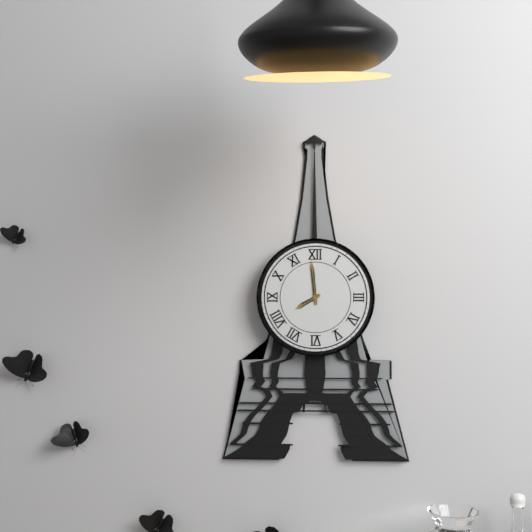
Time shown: h=7 m=59
